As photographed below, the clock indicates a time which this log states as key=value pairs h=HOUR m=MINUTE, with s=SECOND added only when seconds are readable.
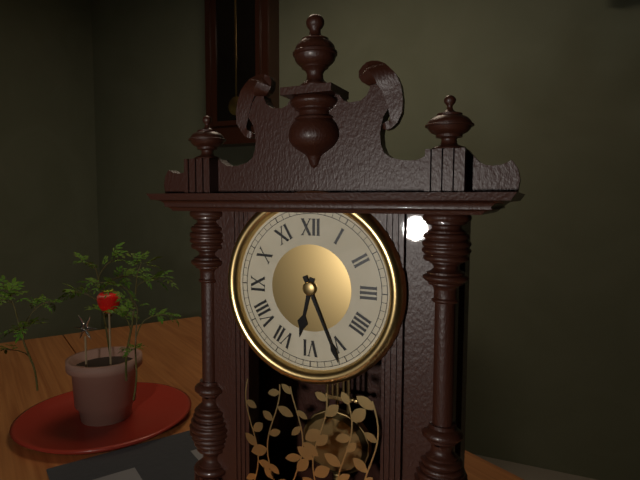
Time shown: h=6 m=26
